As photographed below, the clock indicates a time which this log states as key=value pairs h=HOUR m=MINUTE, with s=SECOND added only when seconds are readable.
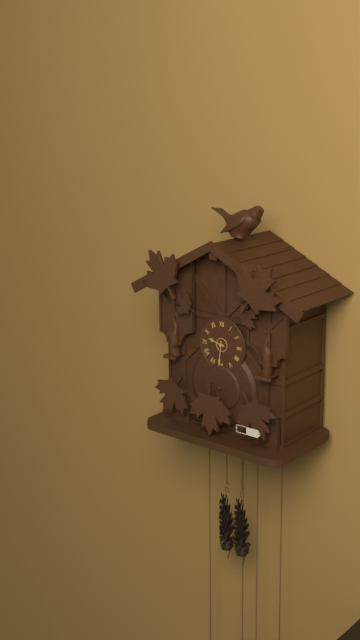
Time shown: h=9 m=31
